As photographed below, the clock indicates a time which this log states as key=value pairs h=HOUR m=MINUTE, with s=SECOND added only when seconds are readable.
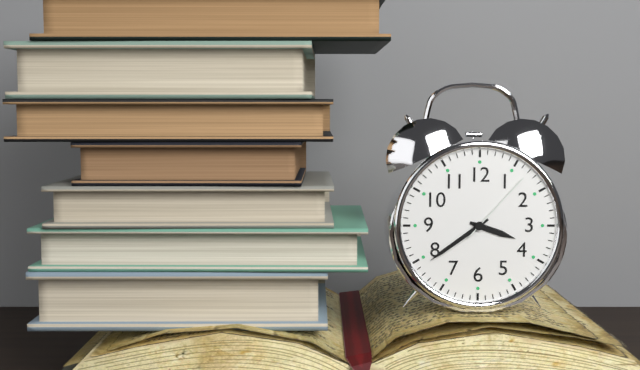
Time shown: h=3 m=39 s=7
